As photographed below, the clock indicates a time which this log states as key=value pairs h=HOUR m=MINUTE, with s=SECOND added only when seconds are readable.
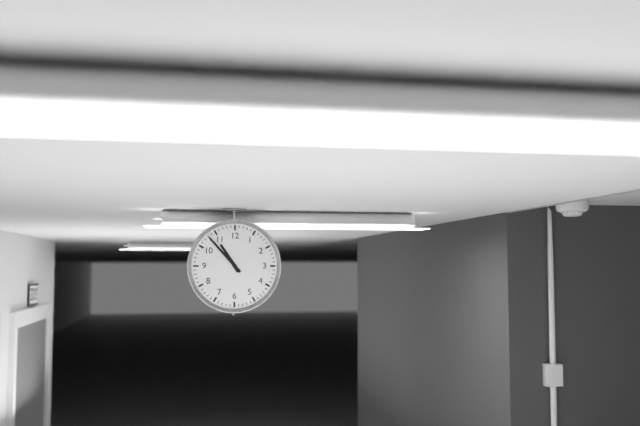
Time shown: h=10 m=53
